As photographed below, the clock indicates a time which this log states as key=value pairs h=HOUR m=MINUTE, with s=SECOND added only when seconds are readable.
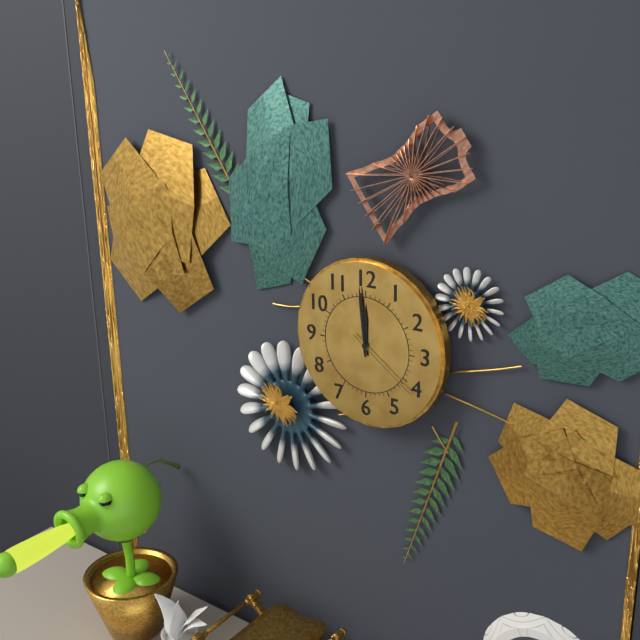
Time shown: h=11 m=59 s=21
